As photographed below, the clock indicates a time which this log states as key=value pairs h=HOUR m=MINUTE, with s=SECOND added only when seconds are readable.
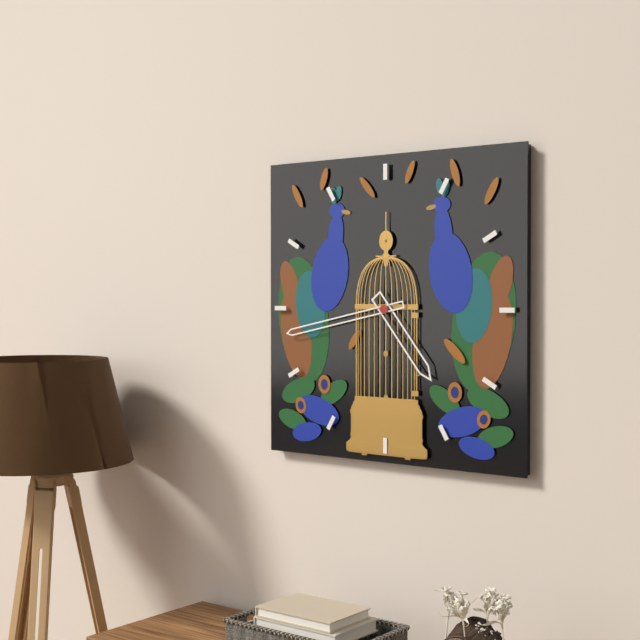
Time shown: h=4 m=43
